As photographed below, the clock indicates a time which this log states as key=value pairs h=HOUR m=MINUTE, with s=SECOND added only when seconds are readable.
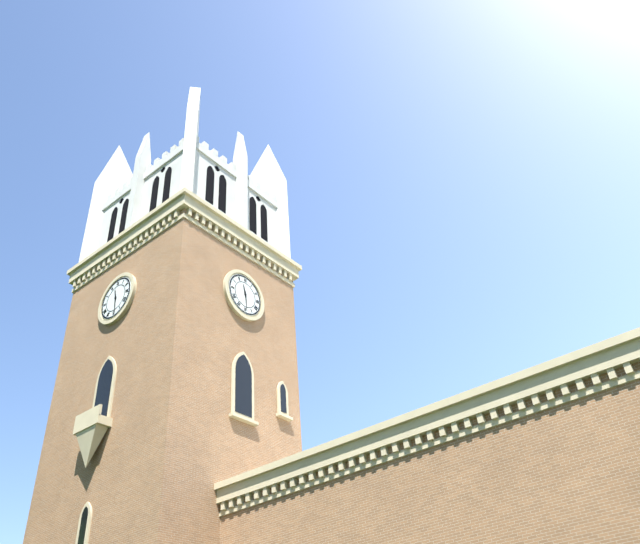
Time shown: h=11 m=29
